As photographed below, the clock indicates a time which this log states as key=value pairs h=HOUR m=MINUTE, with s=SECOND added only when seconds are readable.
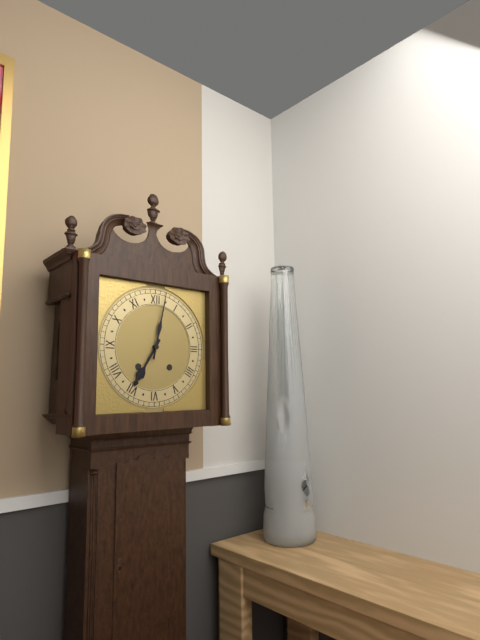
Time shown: h=7 m=2
